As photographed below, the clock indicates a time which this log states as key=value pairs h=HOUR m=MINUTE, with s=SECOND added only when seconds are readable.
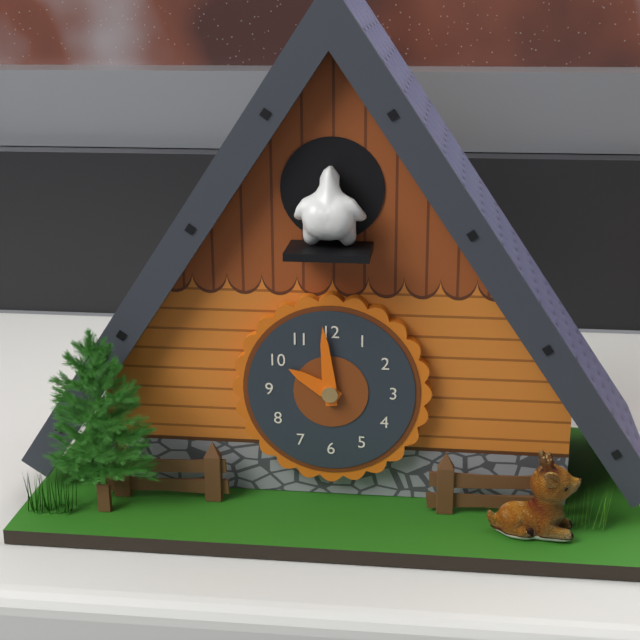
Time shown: h=9 m=59
